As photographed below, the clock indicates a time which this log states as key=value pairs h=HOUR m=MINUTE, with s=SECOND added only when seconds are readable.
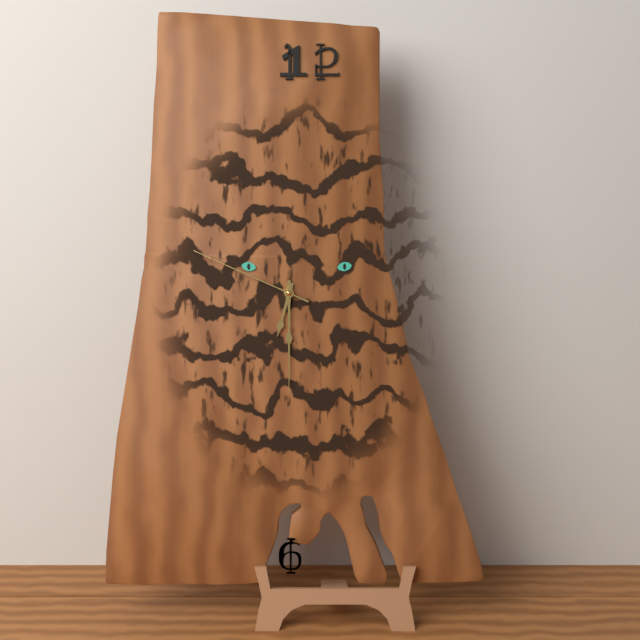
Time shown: h=6 m=30 s=49
